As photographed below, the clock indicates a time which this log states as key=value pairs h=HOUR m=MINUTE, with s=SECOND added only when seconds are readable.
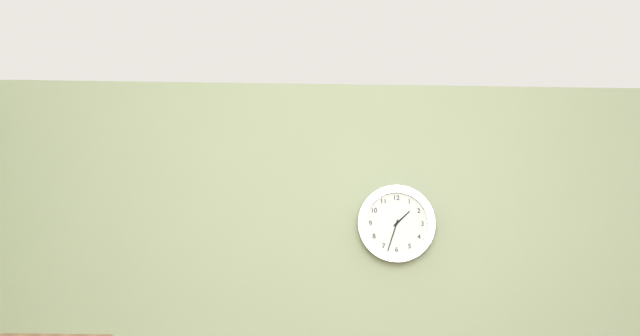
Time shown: h=1 m=33
